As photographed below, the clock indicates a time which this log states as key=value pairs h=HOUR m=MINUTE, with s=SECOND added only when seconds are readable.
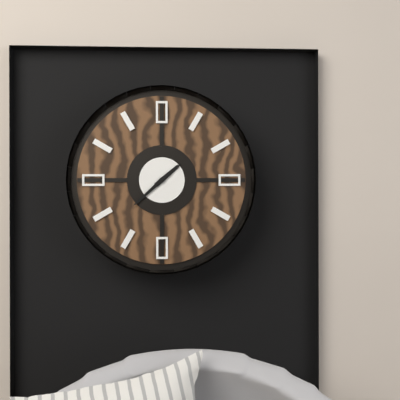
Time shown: h=1 m=38
